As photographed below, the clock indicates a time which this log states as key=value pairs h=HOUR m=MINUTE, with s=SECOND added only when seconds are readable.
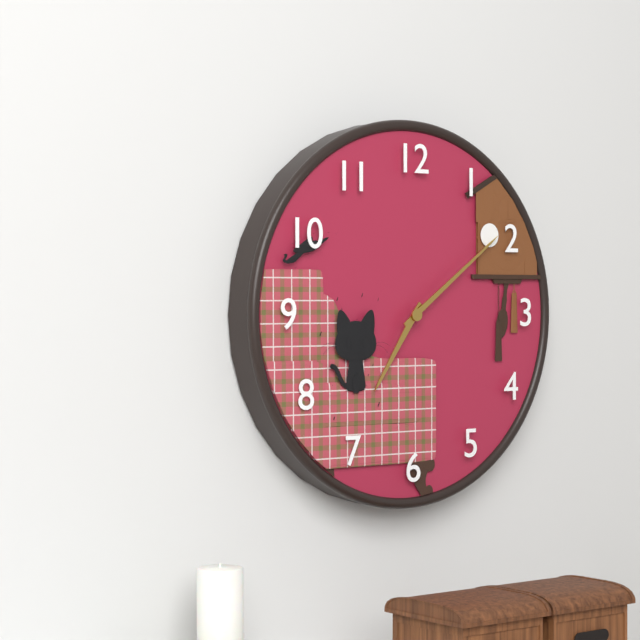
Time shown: h=7 m=9
